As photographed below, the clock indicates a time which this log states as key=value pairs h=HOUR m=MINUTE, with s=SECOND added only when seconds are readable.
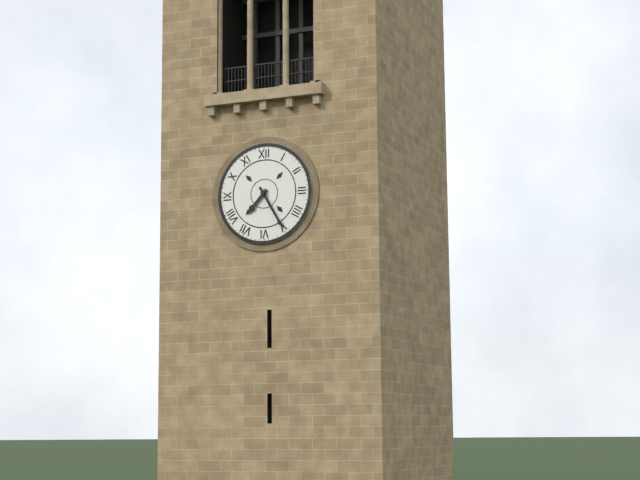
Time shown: h=7 m=25
